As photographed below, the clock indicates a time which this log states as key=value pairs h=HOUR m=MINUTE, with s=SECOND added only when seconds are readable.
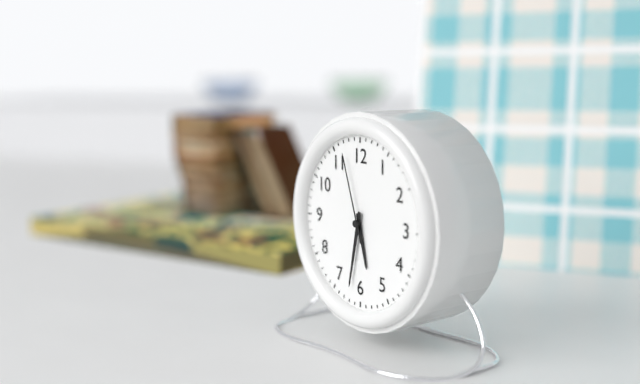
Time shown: h=5 m=32 s=57
